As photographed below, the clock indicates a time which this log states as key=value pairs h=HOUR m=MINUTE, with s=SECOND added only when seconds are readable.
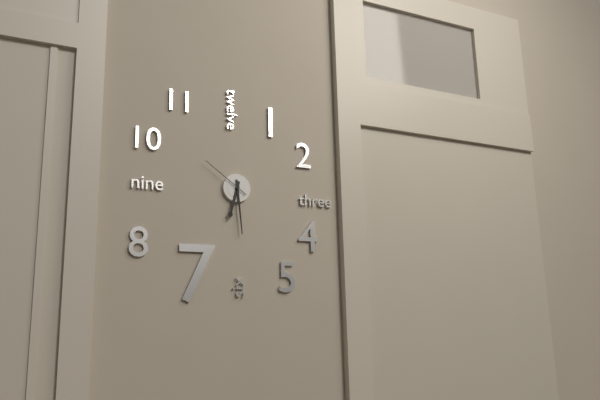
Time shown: h=6 m=29 s=51
